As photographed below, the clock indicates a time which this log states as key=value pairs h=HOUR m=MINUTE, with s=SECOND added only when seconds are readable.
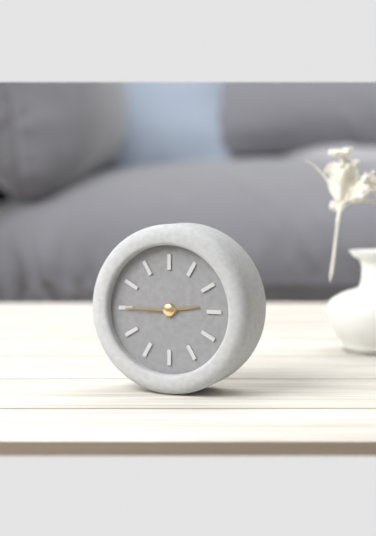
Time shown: h=2 m=45
